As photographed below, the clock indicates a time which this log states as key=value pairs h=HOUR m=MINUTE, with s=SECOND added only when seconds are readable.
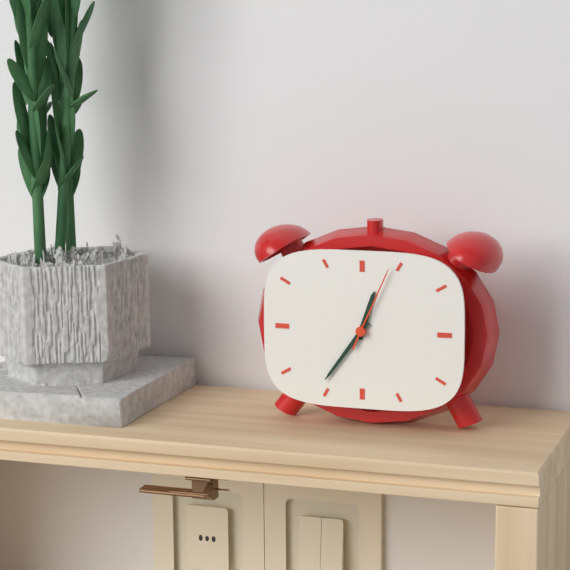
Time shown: h=12 m=36 s=4
